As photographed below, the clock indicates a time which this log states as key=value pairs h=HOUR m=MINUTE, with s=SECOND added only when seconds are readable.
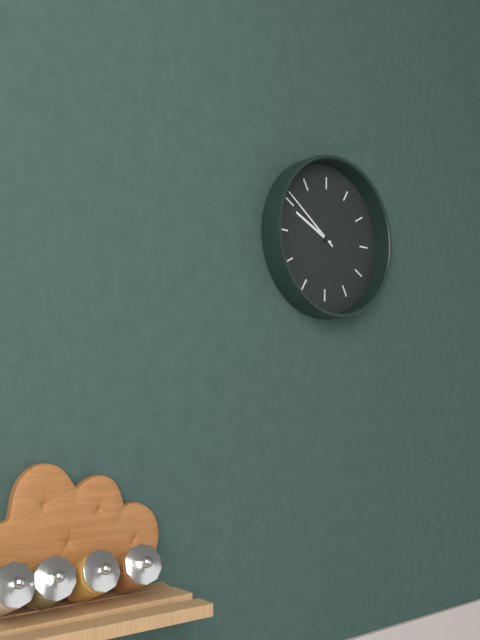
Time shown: h=9 m=51
